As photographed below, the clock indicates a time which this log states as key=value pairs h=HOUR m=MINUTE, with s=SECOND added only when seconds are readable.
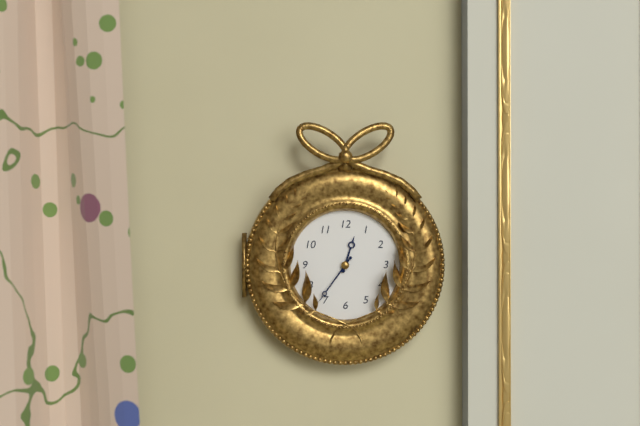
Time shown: h=12 m=36
